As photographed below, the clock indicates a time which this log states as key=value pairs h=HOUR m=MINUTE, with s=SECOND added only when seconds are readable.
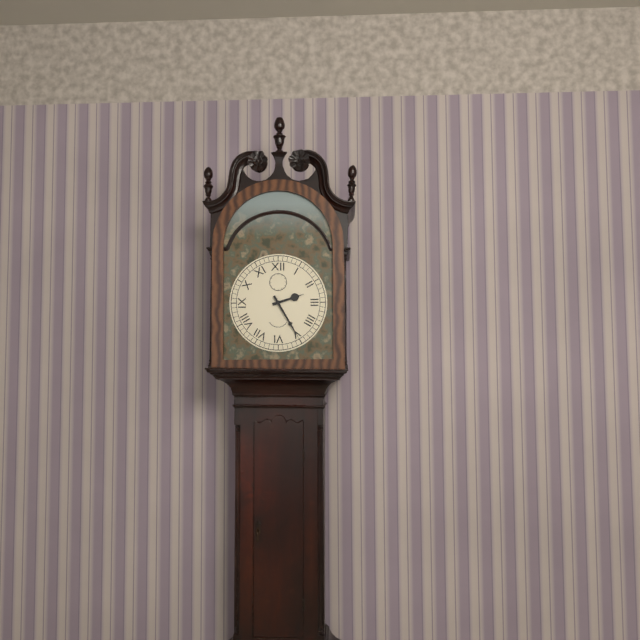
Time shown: h=2 m=25
